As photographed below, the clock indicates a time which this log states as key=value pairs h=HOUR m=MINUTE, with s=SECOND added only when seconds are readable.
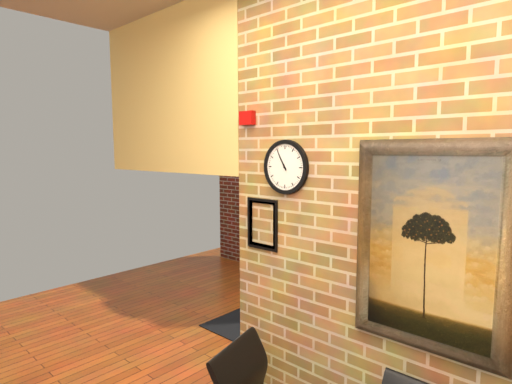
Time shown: h=10 m=55
